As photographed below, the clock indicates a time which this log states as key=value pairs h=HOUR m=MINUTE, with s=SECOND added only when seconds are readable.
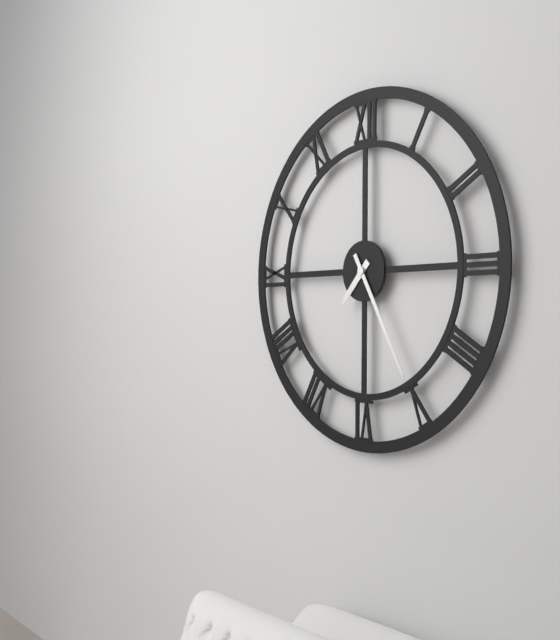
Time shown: h=7 m=25
